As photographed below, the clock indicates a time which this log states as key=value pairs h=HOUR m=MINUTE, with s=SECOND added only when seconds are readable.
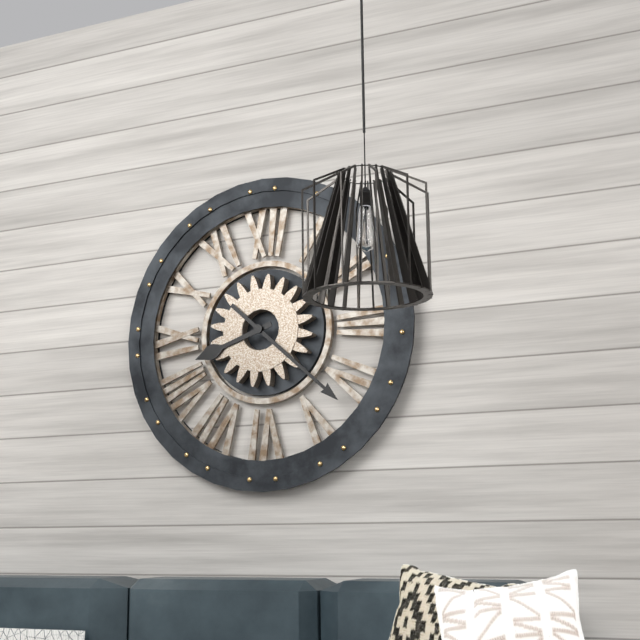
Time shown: h=8 m=22
